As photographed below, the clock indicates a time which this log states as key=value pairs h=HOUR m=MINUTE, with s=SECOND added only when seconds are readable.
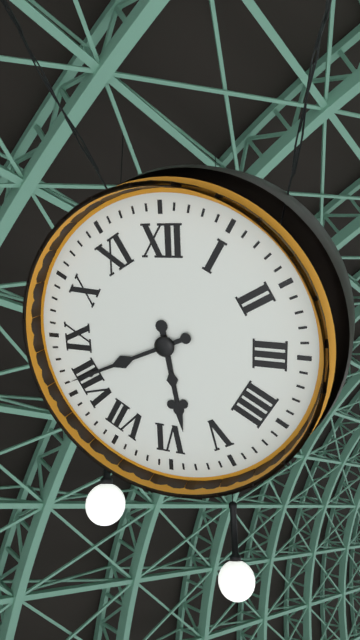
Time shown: h=5 m=41
